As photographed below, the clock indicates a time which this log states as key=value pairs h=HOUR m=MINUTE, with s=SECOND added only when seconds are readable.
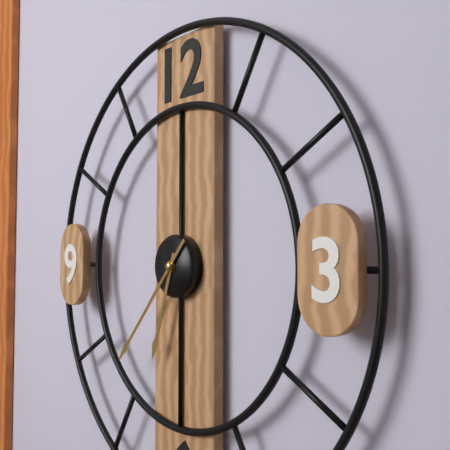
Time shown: h=6 m=37
